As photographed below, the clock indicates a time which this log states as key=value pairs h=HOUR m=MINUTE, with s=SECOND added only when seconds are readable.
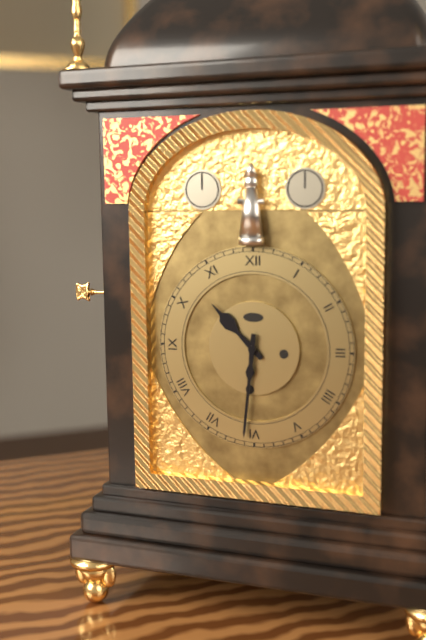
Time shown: h=10 m=31
